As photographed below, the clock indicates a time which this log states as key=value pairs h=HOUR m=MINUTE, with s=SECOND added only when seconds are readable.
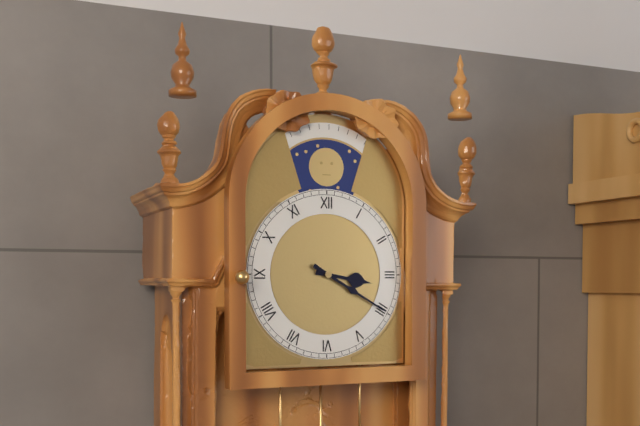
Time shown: h=3 m=20
